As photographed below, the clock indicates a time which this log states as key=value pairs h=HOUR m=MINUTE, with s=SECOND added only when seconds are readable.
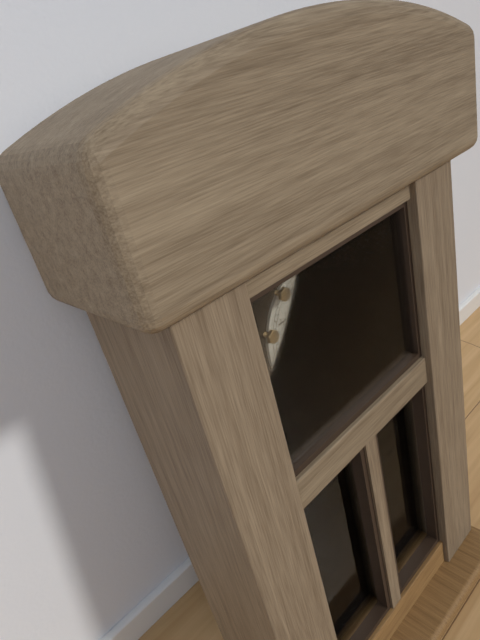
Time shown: h=11 m=28
